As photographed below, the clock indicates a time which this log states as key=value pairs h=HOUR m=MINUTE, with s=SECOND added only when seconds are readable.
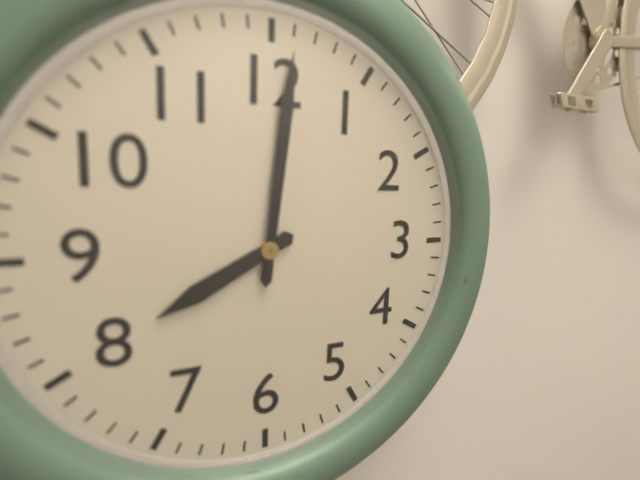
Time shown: h=8 m=1
